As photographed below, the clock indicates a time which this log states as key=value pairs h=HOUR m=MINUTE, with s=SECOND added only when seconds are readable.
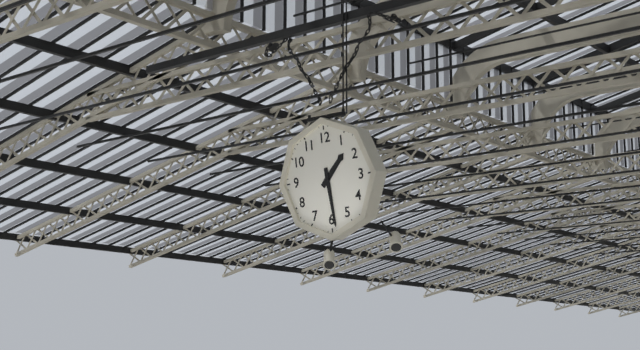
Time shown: h=1 m=29
